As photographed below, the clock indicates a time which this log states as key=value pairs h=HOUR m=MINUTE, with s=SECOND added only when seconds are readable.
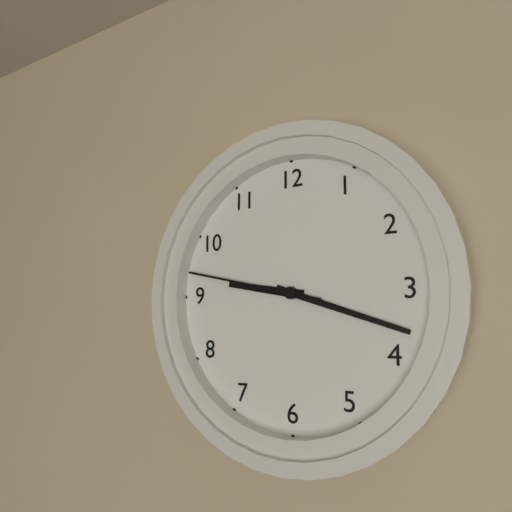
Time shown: h=9 m=18 s=47
